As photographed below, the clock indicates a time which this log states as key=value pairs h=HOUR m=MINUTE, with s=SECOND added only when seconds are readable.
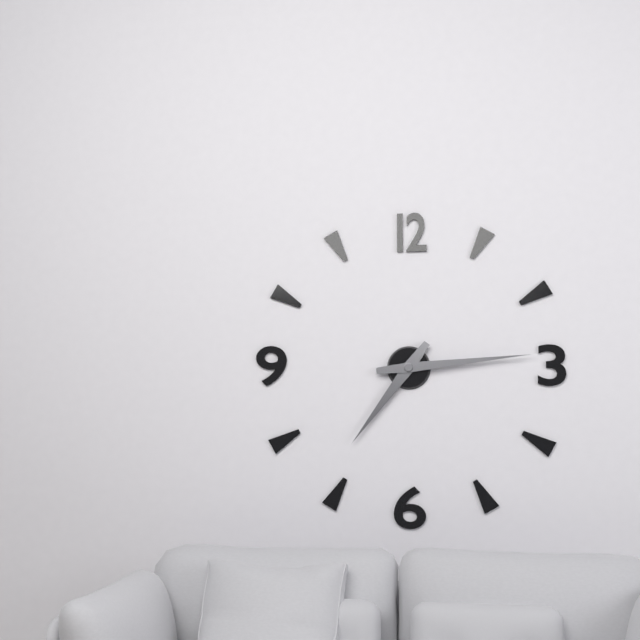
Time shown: h=7 m=14
